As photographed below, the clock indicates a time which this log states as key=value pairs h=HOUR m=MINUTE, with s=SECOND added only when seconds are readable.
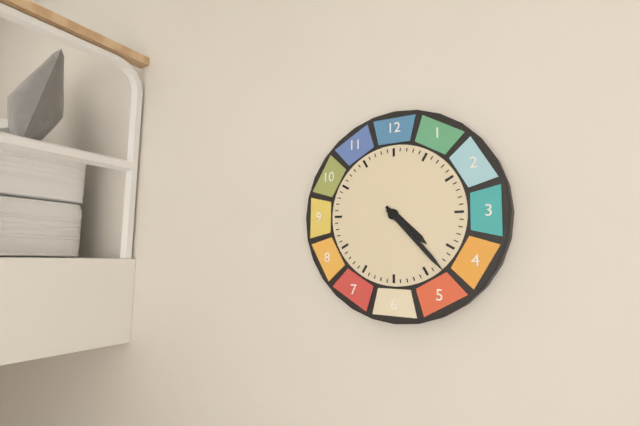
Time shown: h=4 m=23
